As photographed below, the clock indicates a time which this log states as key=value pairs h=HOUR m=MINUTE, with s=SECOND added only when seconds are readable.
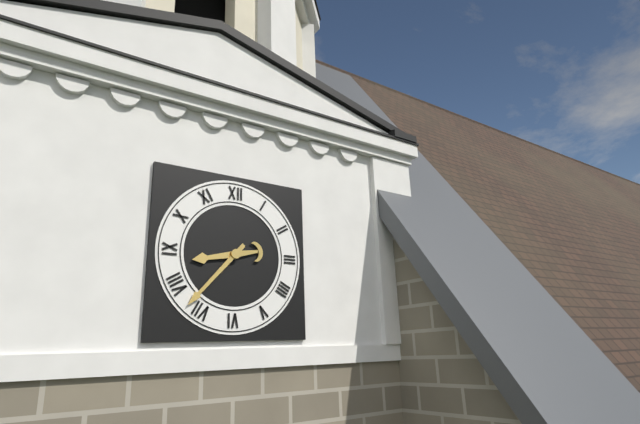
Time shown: h=8 m=37
